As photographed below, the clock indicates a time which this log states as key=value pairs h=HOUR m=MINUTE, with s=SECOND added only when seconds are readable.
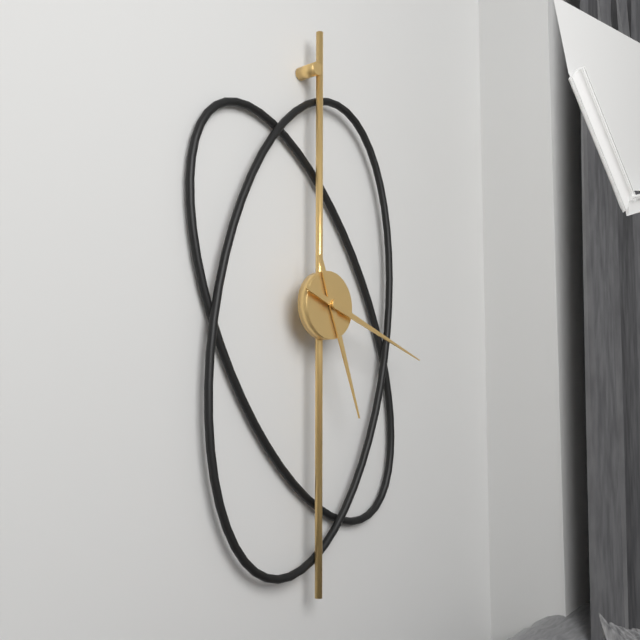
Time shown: h=5 m=18
